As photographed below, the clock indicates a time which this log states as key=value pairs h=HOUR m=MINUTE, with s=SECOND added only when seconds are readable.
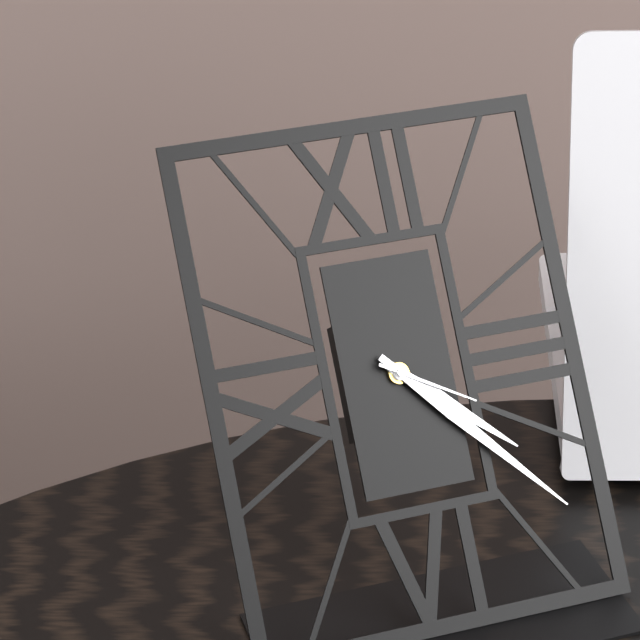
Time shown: h=4 m=23 s=20
